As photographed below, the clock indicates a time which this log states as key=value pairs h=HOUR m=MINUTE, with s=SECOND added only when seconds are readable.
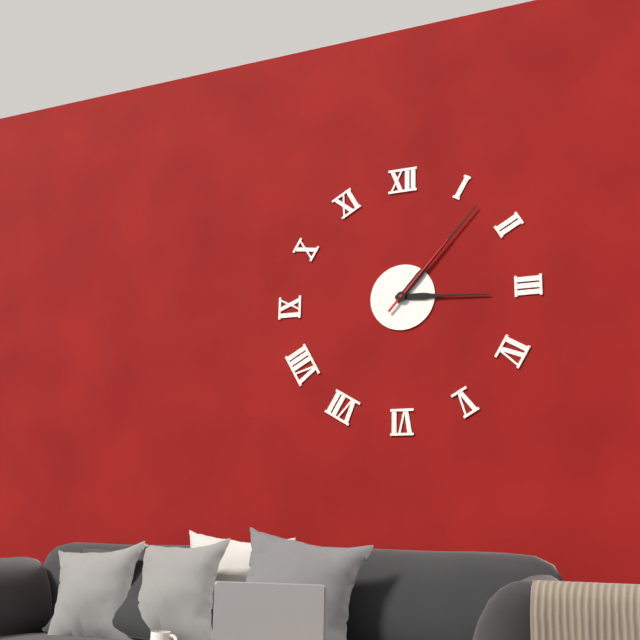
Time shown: h=3 m=7 s=7
